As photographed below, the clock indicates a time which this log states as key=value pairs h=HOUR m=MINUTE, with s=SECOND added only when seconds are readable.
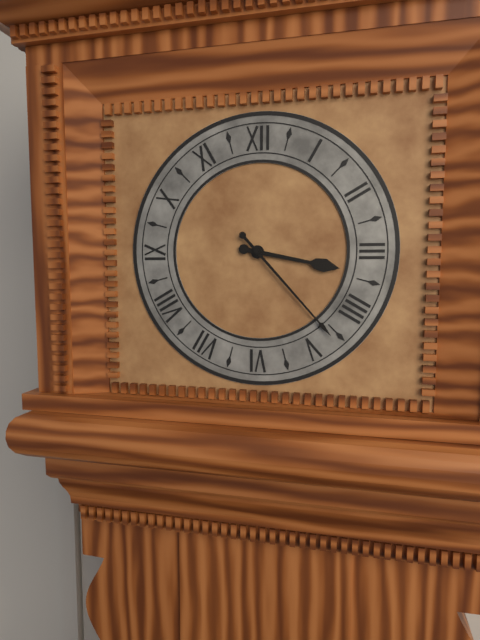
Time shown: h=3 m=23
